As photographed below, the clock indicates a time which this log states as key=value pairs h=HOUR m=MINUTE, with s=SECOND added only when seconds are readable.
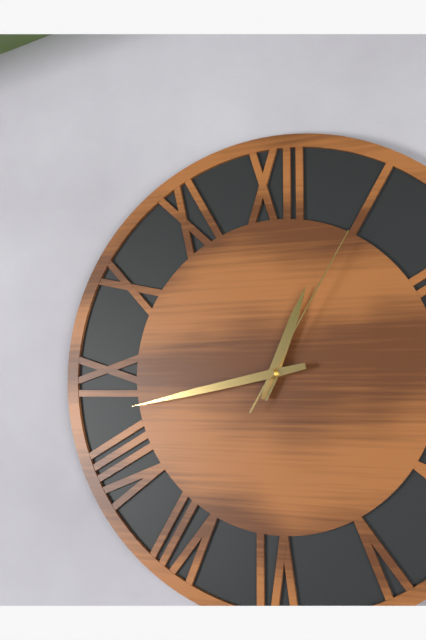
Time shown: h=12 m=43 s=5
